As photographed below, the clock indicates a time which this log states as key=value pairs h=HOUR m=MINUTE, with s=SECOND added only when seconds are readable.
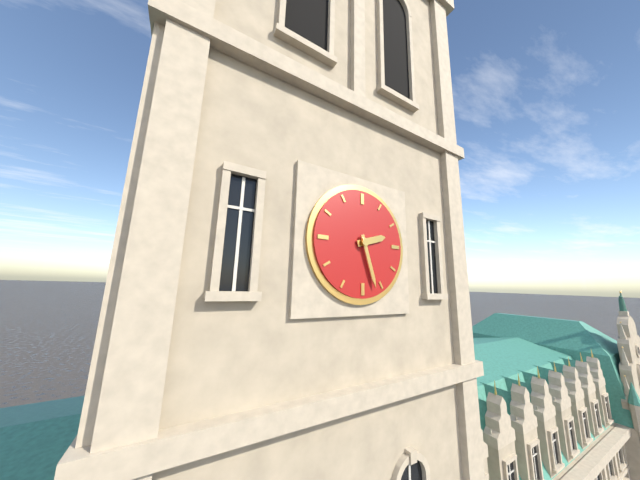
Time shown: h=2 m=27
